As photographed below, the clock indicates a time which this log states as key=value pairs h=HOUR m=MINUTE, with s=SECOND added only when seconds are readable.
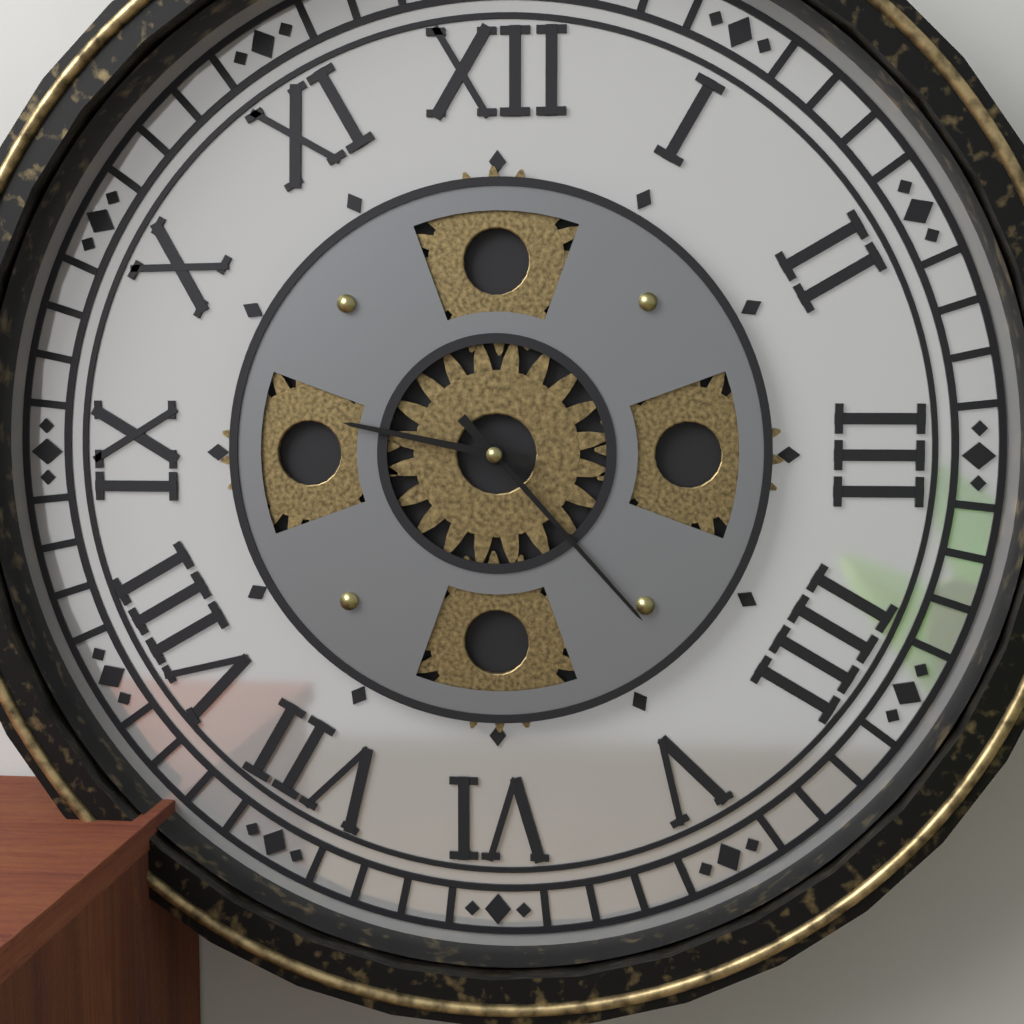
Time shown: h=9 m=23
